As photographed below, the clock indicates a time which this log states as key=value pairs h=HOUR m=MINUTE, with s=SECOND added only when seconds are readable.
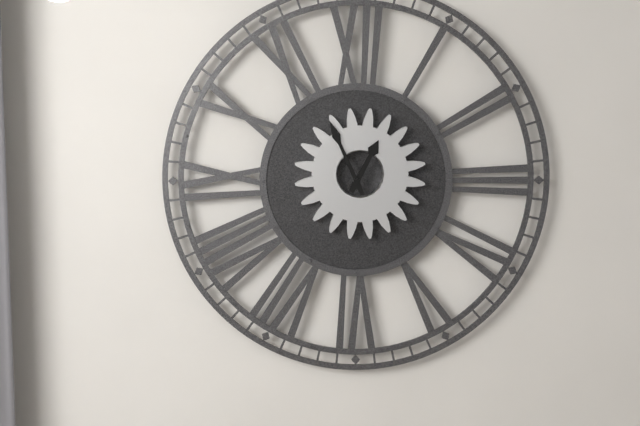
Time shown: h=12 m=56
